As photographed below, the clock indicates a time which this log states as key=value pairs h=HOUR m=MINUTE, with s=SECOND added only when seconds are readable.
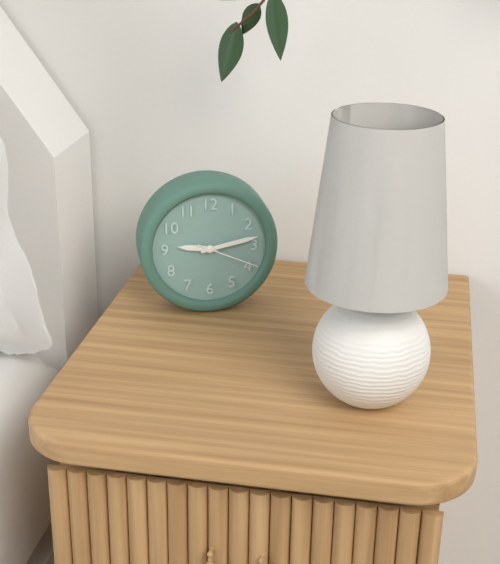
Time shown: h=9 m=13 s=19
